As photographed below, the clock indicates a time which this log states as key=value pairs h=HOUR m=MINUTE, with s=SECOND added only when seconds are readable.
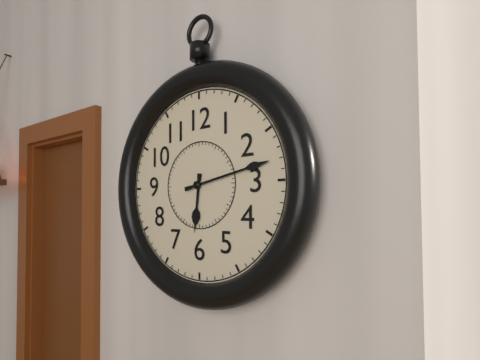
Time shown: h=6 m=13
